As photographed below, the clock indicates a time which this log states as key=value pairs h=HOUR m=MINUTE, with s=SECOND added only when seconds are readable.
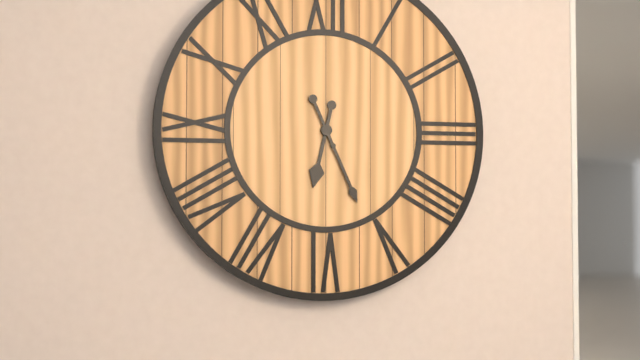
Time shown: h=6 m=26
